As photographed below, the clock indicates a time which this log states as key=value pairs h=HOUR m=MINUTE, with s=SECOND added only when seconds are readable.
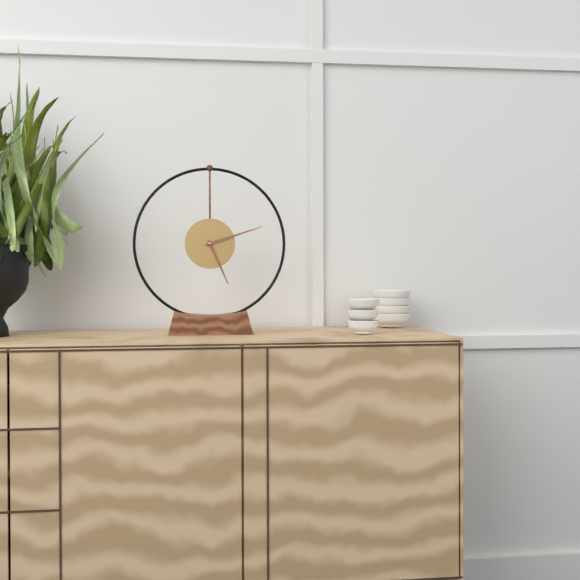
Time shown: h=5 m=12
